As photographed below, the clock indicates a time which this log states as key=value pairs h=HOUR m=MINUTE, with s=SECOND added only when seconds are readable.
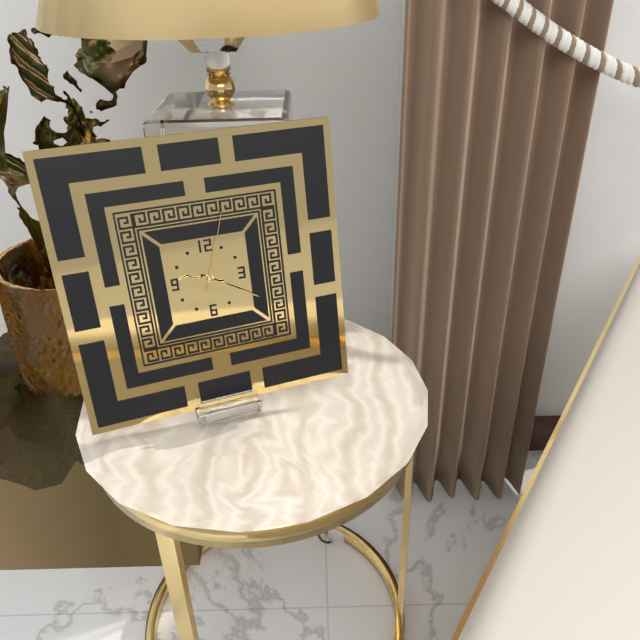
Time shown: h=9 m=20 s=3
